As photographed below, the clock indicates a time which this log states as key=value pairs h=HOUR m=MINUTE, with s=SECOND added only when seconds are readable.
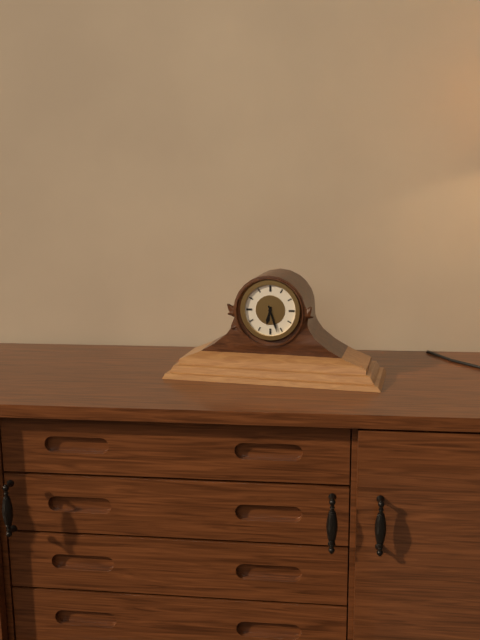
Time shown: h=6 m=27
